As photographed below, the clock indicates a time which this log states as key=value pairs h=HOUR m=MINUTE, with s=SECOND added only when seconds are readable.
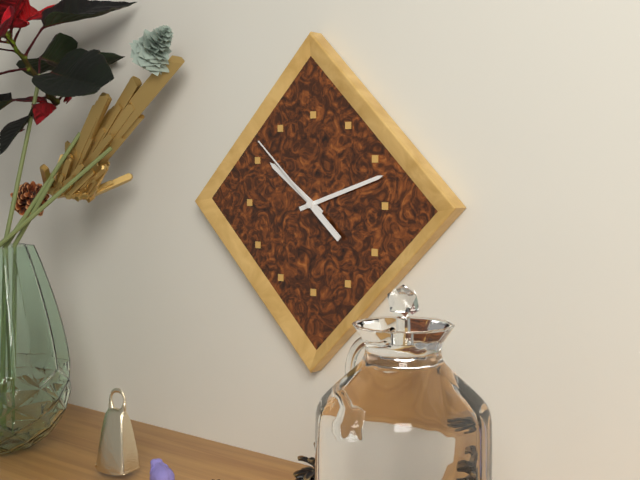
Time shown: h=10 m=12 s=52
